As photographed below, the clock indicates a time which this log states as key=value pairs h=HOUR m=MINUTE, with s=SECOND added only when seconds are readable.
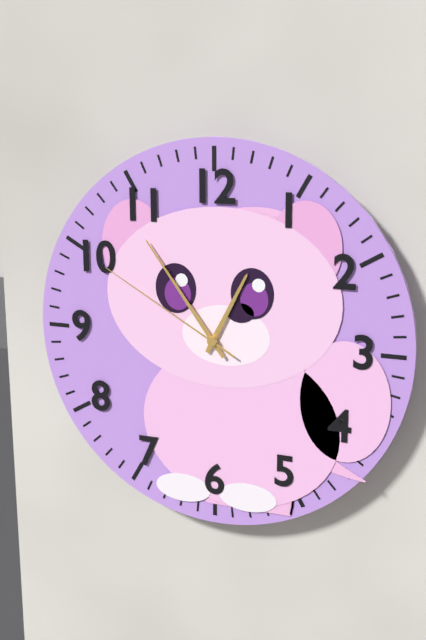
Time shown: h=12 m=54 s=50
